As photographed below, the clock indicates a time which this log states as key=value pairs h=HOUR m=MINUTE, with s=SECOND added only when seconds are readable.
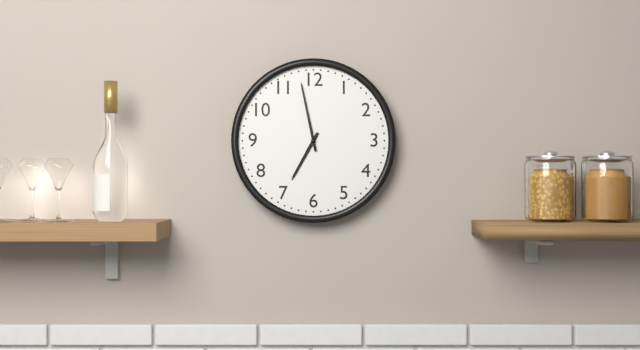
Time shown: h=6 m=58
